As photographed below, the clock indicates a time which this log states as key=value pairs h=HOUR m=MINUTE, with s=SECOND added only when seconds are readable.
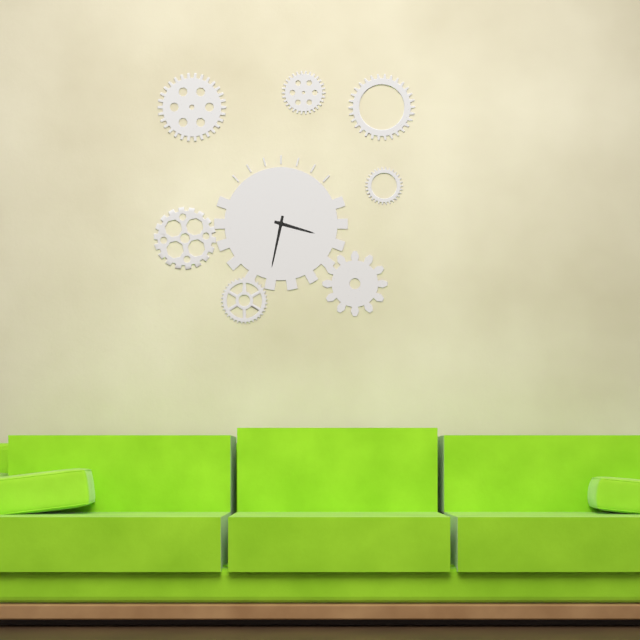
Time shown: h=3 m=32
